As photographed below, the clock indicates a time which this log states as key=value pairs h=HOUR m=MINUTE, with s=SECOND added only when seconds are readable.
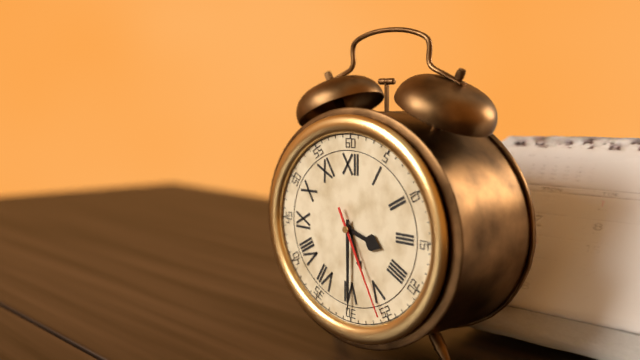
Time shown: h=3 m=30 s=25
